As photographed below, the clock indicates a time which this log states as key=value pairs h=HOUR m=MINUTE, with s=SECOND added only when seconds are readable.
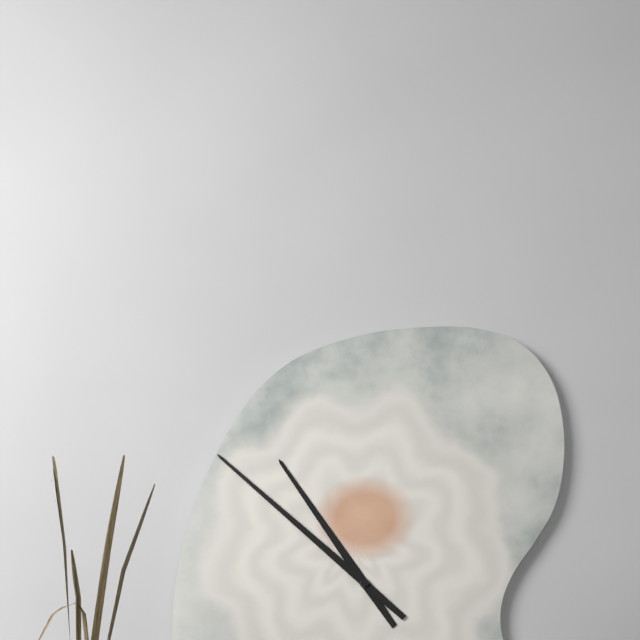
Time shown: h=10 m=52
